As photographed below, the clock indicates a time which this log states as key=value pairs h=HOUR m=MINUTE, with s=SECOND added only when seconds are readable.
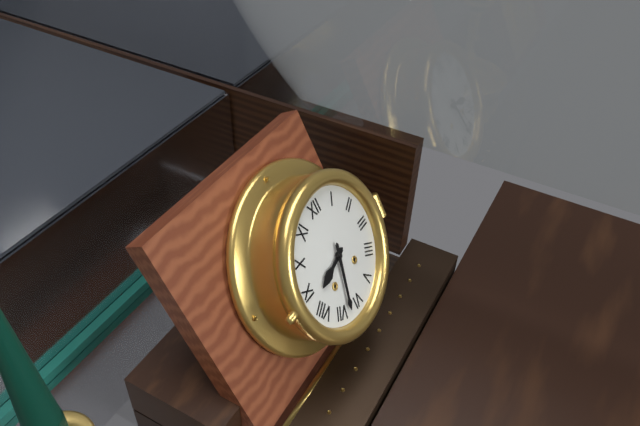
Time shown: h=8 m=33
